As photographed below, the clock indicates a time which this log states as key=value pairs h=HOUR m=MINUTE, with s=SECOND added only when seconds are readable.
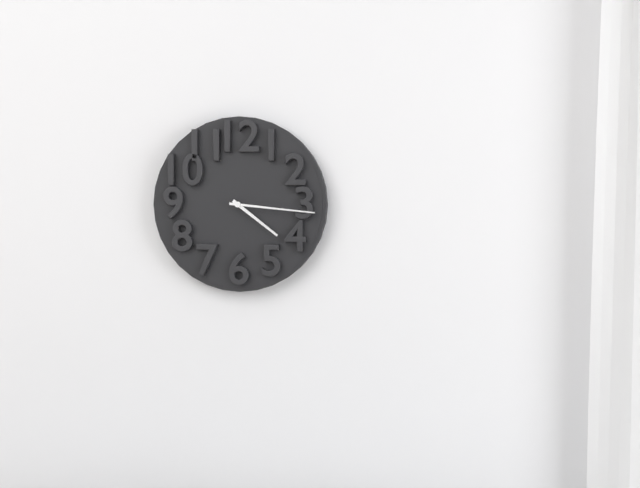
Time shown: h=4 m=16
